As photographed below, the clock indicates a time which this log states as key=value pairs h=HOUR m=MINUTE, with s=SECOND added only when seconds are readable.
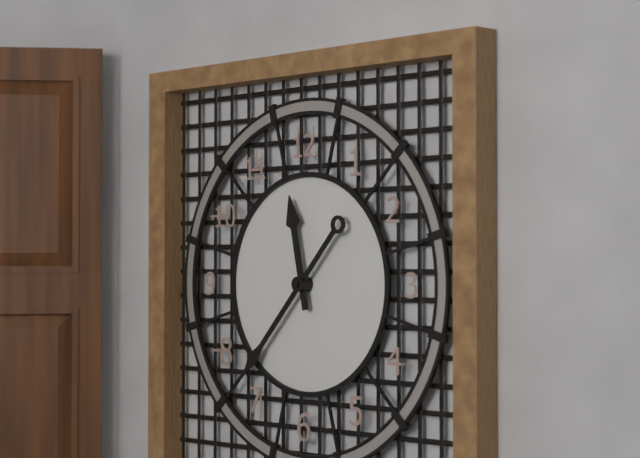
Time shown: h=11 m=37
